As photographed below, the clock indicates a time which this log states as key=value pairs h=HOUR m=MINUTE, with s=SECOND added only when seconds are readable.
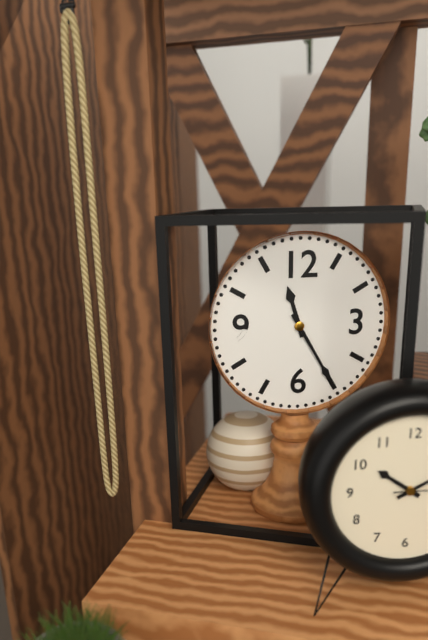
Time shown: h=11 m=25
